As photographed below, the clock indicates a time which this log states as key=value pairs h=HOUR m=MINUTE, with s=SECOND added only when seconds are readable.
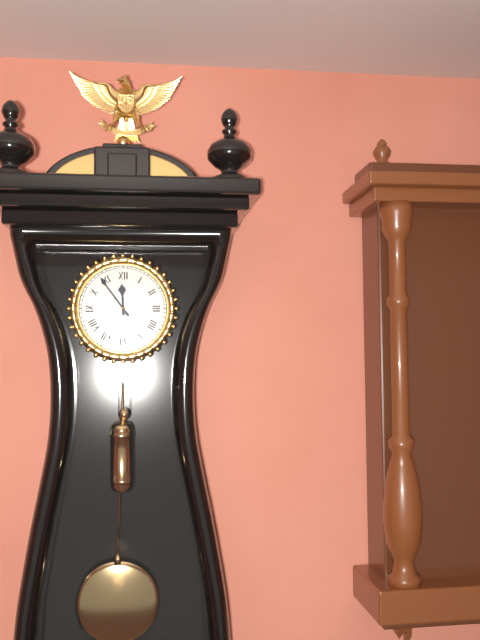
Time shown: h=11 m=54
